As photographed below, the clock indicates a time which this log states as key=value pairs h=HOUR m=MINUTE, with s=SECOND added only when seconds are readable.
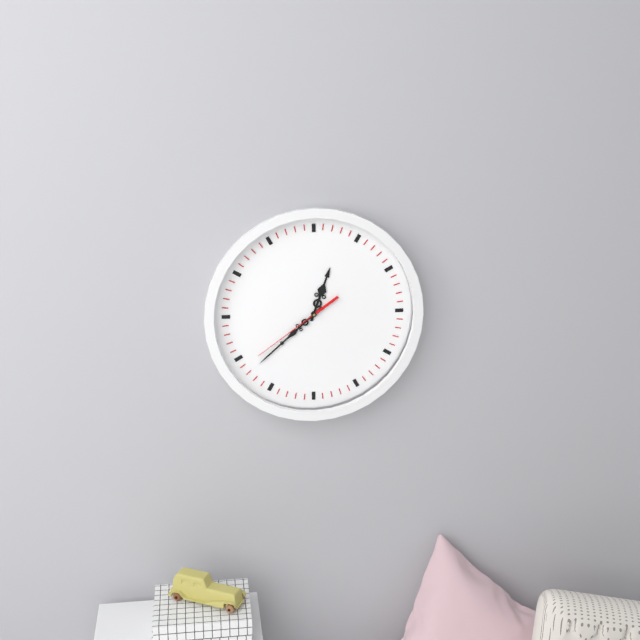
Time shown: h=12 m=38 s=39
